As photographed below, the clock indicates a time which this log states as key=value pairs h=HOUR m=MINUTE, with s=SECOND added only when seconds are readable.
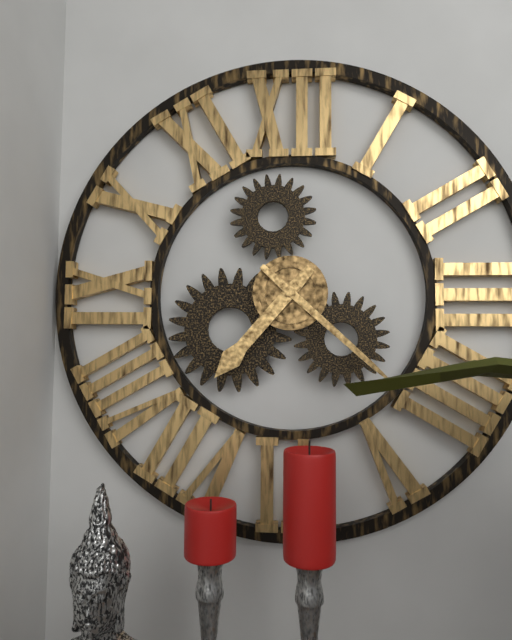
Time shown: h=7 m=22
